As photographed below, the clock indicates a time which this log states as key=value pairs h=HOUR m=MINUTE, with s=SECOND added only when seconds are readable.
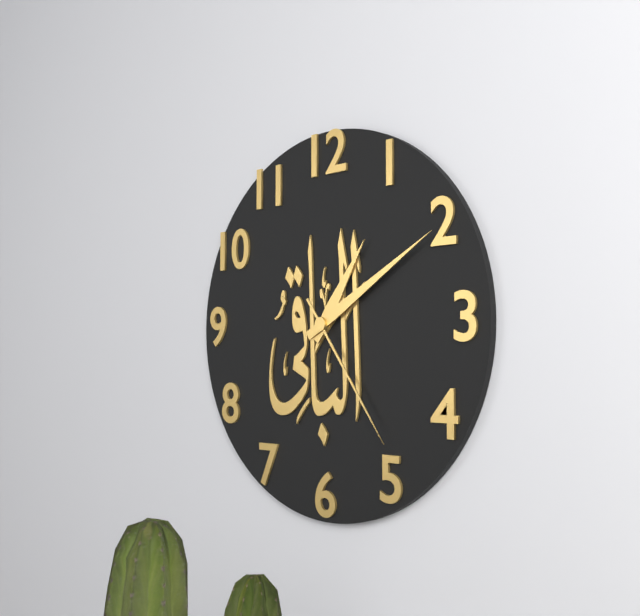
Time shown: h=1 m=10 s=24
